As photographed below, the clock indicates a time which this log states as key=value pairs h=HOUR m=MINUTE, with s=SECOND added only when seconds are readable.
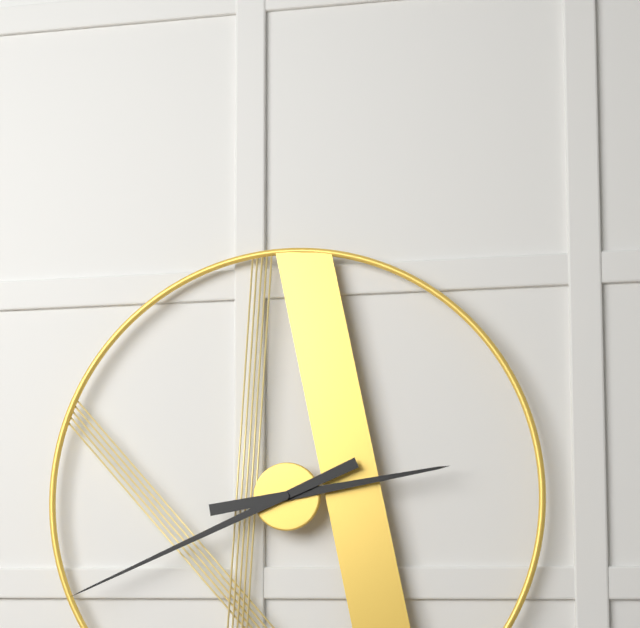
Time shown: h=2 m=41
